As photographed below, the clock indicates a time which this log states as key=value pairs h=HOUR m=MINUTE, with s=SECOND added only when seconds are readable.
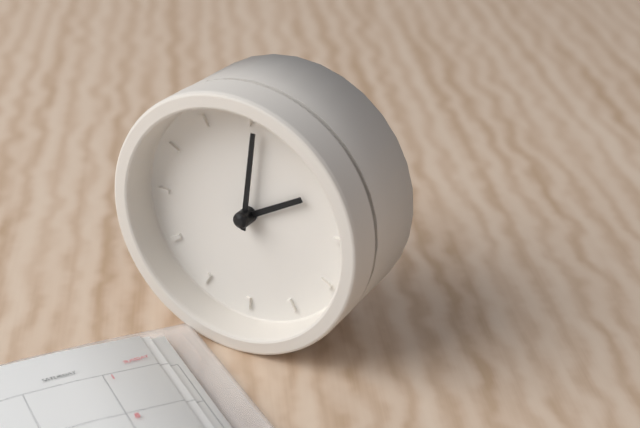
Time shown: h=2 m=1
